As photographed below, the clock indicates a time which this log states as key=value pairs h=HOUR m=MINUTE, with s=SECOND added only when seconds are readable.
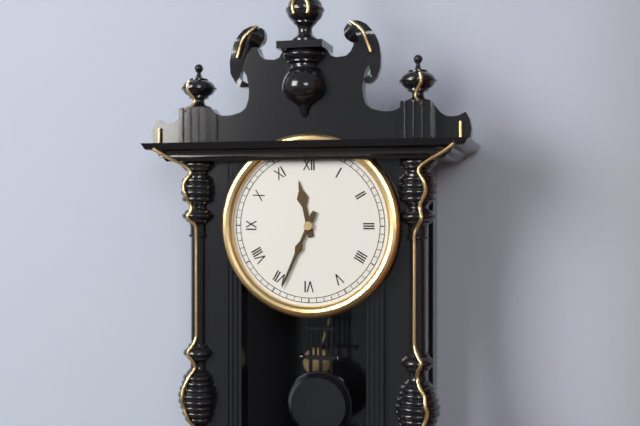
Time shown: h=11 m=34
